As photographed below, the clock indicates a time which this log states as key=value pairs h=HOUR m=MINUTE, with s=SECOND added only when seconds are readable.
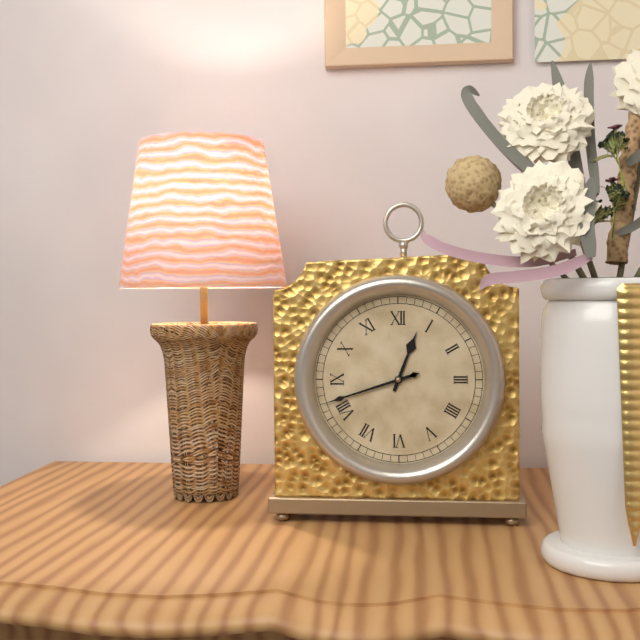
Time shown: h=12 m=42
